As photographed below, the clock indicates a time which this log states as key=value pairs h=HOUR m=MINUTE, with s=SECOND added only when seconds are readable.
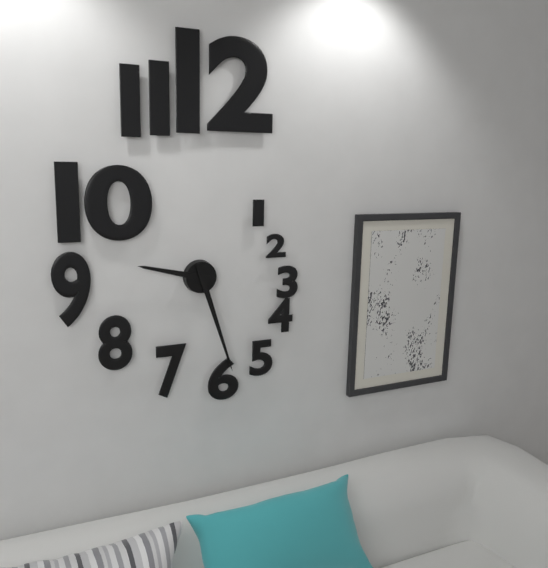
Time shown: h=9 m=27
